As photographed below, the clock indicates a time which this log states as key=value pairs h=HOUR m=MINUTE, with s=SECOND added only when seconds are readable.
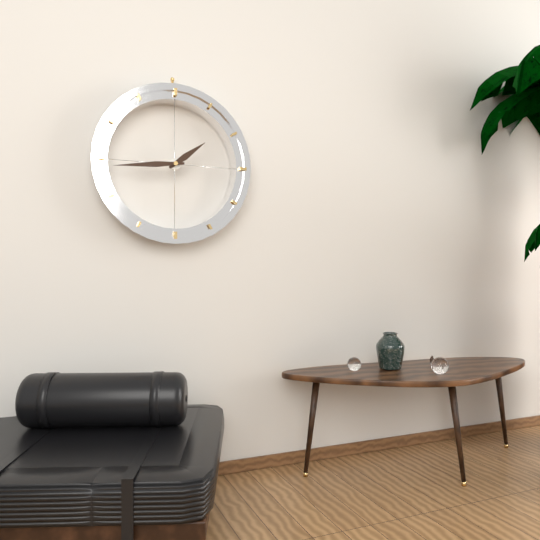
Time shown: h=1 m=44
